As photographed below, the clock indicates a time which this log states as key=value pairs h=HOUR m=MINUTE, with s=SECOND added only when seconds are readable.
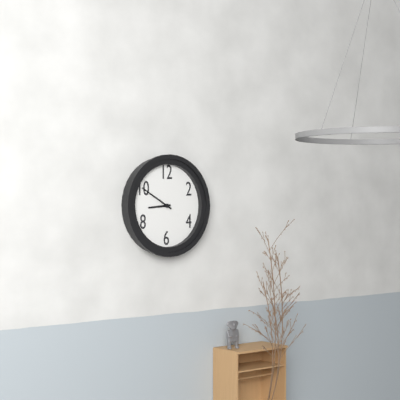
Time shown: h=8 m=50
